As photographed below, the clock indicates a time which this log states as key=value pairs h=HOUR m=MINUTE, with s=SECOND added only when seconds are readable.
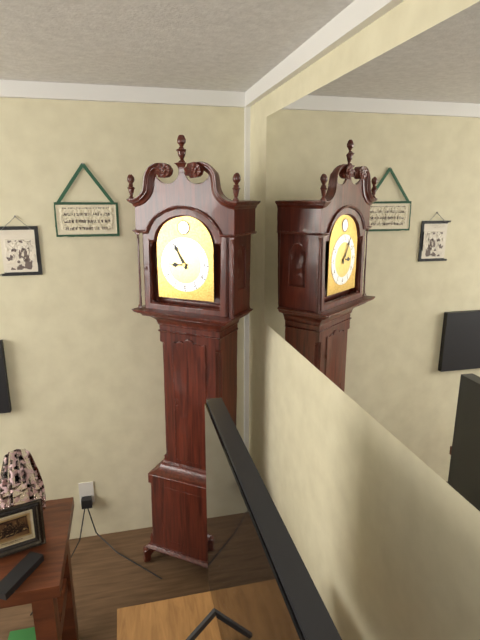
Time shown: h=8 m=55
